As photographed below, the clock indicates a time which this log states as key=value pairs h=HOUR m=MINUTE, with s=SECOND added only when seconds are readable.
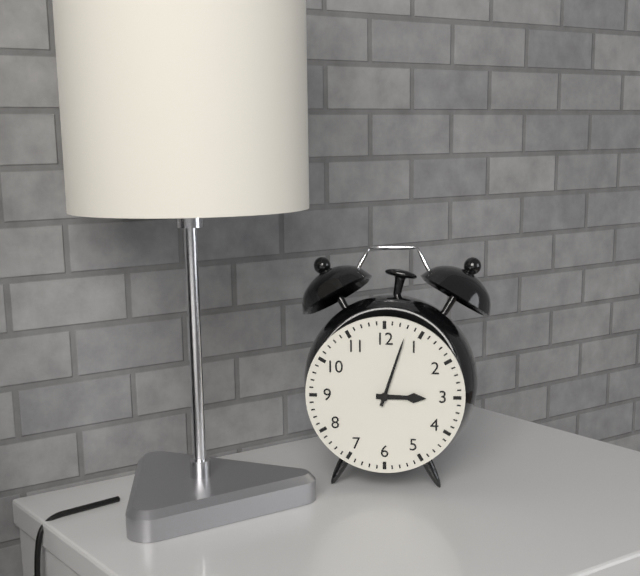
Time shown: h=3 m=3
